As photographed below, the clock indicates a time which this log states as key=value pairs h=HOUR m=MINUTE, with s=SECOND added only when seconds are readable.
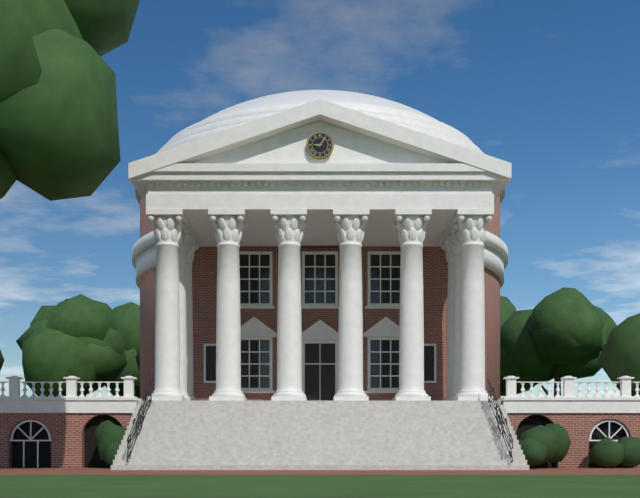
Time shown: h=9 m=6
